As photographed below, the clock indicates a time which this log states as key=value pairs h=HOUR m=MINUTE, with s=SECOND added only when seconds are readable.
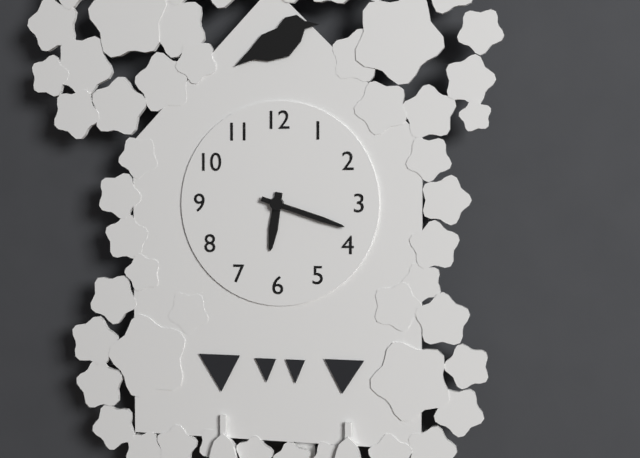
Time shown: h=6 m=18
